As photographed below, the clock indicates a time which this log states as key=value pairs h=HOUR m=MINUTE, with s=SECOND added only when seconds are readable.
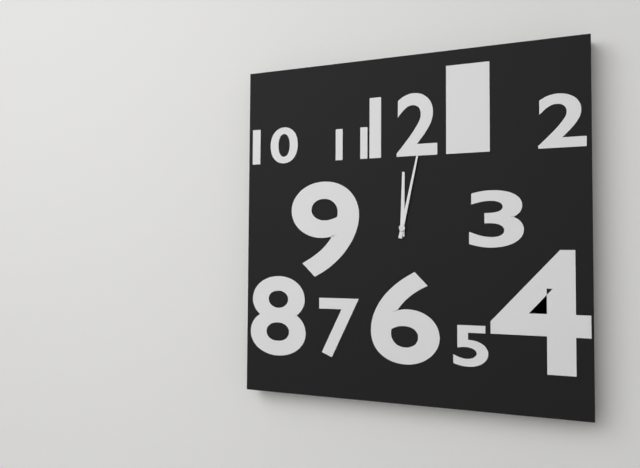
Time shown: h=12 m=2
